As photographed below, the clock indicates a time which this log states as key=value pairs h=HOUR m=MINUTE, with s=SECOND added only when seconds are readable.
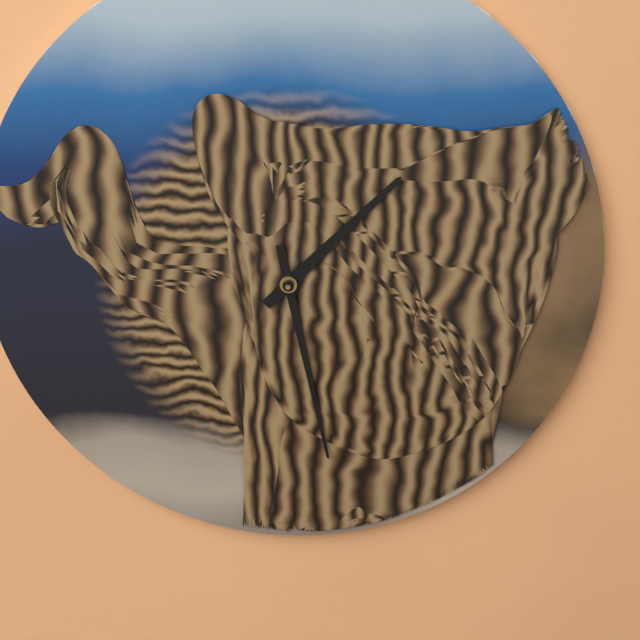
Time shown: h=1 m=28
